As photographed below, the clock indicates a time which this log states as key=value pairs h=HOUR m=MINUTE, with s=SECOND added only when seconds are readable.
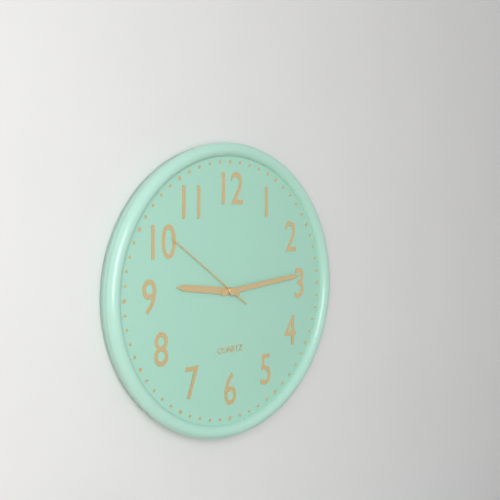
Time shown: h=9 m=14 s=51
